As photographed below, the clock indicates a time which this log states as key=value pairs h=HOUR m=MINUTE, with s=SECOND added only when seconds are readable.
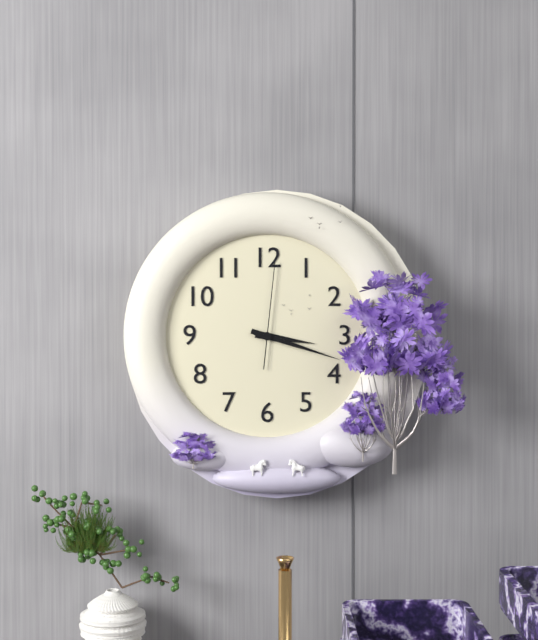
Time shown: h=3 m=18 s=1
